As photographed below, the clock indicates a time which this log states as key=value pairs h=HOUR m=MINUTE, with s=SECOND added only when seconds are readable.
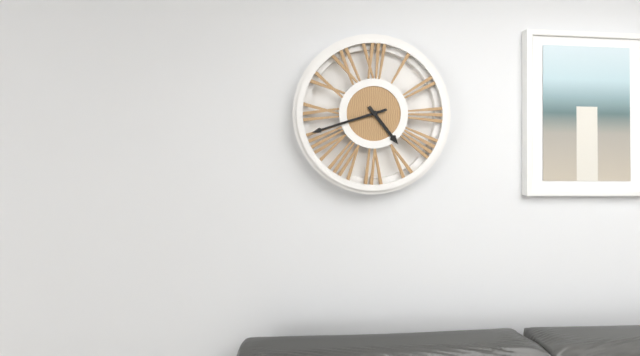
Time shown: h=4 m=42
